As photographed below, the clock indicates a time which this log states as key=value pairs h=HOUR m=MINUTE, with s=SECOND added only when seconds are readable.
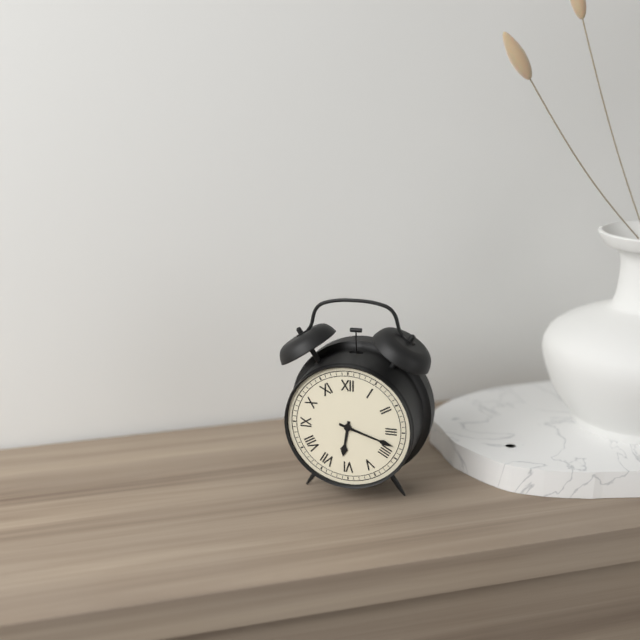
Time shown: h=6 m=18
